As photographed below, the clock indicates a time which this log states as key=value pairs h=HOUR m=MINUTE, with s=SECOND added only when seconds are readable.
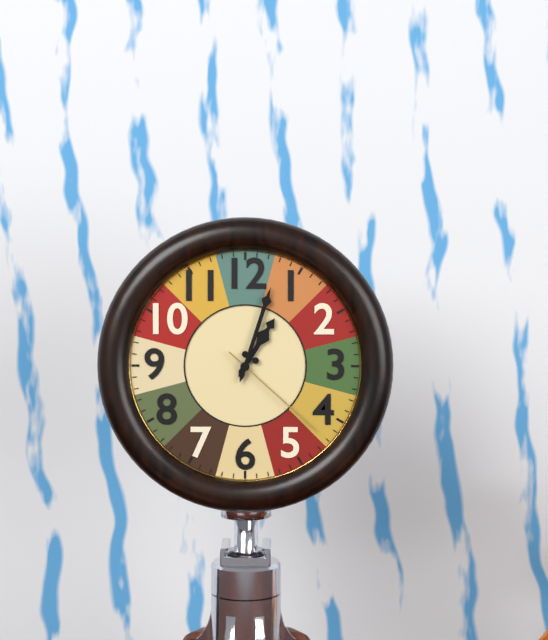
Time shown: h=1 m=3 s=22
